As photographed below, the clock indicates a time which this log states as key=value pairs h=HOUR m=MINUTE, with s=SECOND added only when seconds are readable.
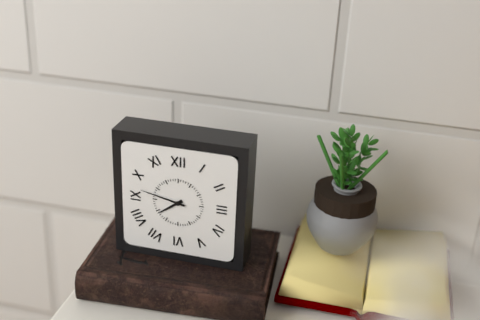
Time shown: h=7 m=47
